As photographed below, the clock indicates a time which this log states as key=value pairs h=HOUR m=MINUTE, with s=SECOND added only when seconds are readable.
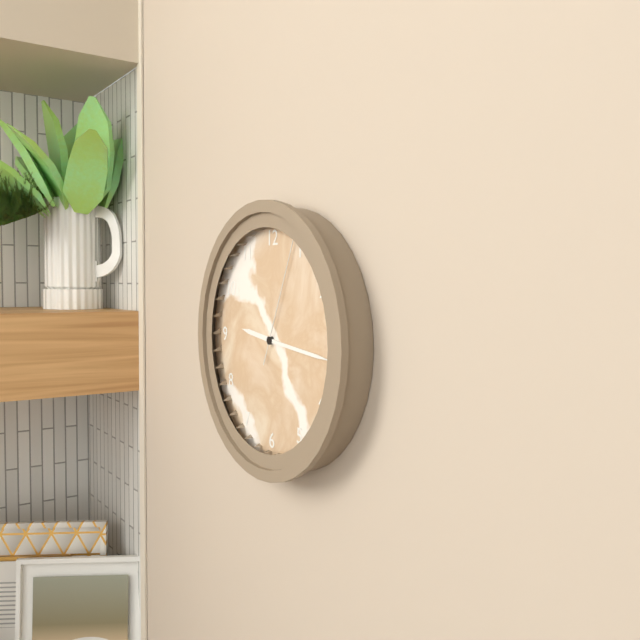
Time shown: h=9 m=16 s=4
